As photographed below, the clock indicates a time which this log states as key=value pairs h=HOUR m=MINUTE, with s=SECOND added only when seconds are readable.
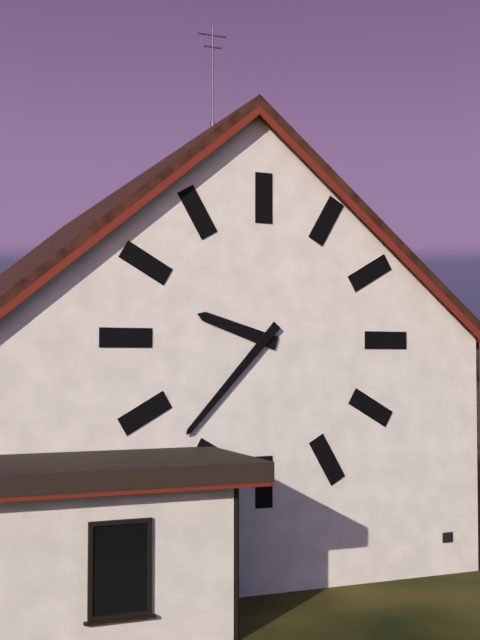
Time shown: h=9 m=37
